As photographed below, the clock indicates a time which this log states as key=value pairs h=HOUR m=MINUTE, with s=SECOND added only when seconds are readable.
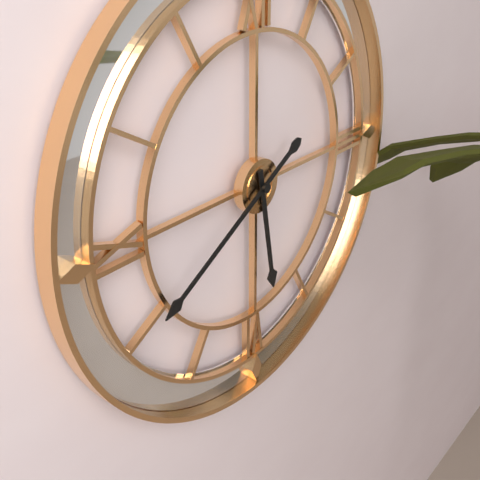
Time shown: h=5 m=40
